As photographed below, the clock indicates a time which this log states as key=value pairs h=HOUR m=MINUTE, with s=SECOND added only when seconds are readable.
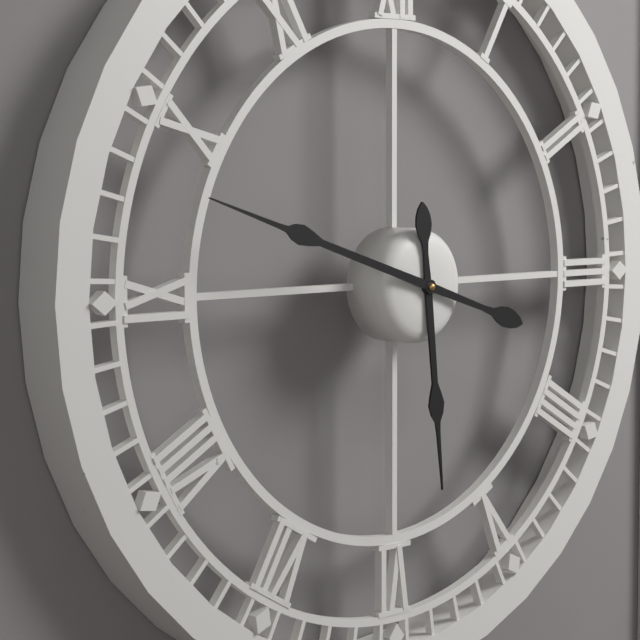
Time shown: h=5 m=48
